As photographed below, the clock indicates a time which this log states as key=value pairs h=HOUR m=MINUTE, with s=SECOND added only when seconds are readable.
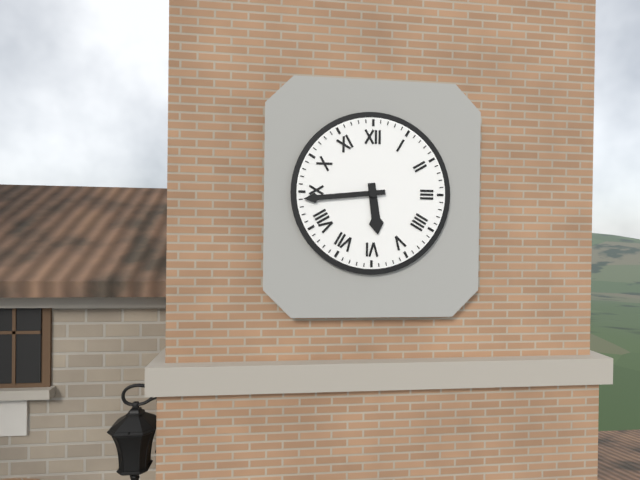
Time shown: h=5 m=44
